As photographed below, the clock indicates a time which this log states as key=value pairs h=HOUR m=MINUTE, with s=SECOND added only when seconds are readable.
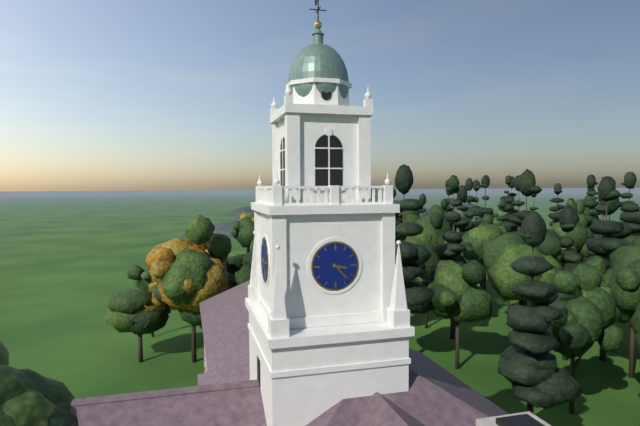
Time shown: h=3 m=23
